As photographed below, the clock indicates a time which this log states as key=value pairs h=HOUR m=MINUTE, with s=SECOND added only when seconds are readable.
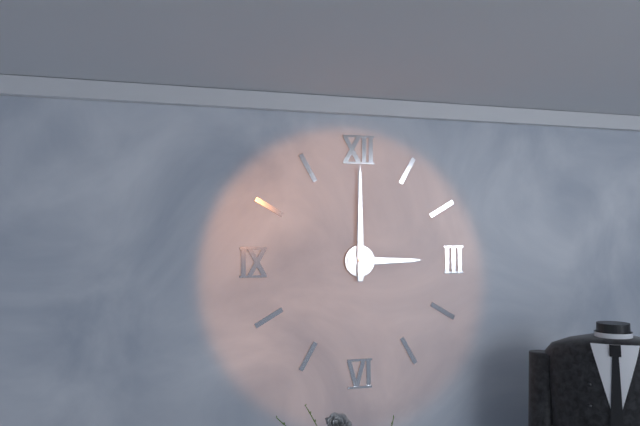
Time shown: h=3 m=0
